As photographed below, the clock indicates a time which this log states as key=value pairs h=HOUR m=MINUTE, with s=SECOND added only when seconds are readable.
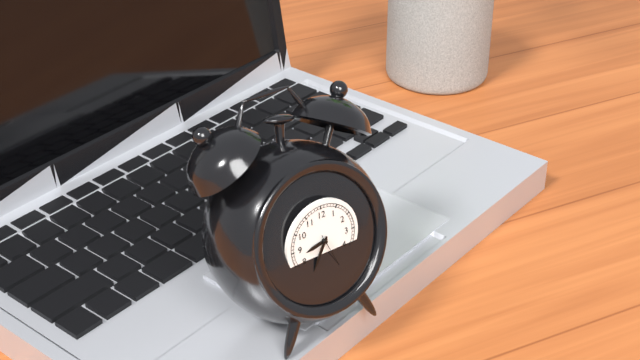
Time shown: h=8 m=35
